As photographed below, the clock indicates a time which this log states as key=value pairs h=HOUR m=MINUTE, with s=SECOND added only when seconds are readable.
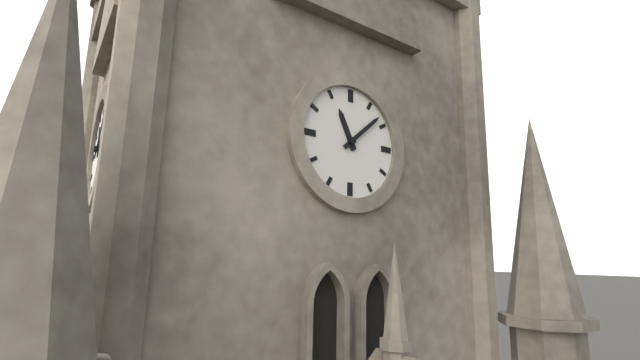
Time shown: h=11 m=8
